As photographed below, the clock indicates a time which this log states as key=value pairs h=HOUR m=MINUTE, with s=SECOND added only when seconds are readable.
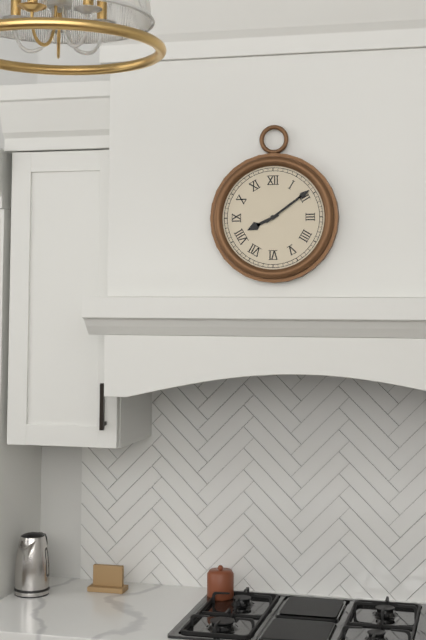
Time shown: h=8 m=9
